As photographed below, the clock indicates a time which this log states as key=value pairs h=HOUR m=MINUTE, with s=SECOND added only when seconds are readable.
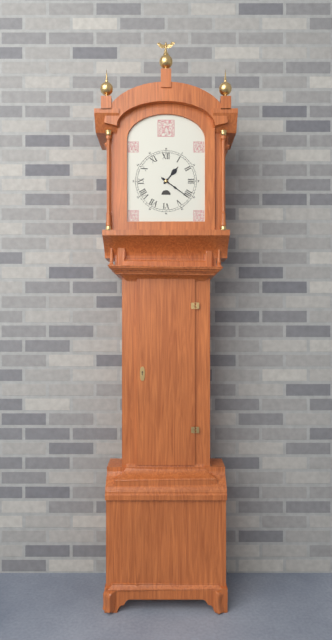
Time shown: h=1 m=21
